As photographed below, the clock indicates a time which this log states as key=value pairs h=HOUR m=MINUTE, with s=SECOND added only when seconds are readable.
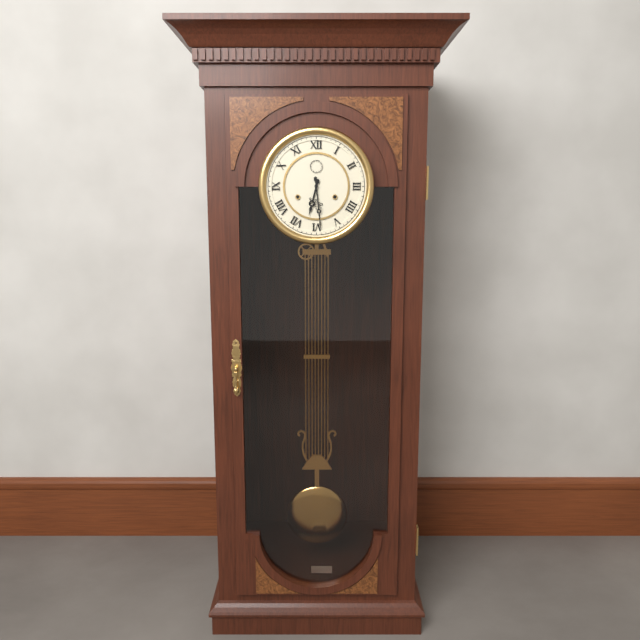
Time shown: h=6 m=29
